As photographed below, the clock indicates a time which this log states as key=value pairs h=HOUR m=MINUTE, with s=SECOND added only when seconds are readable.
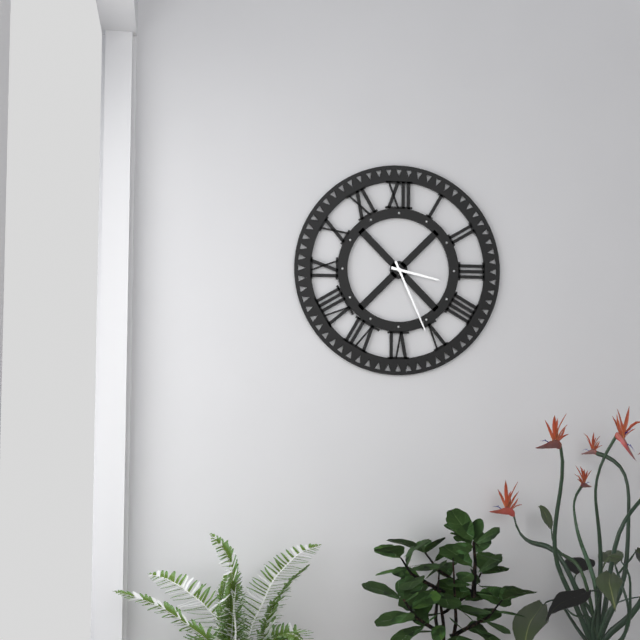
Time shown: h=3 m=26
